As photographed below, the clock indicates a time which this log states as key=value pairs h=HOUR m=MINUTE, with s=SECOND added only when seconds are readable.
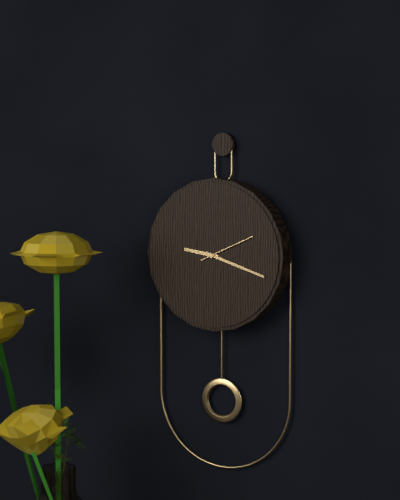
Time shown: h=9 m=18 s=11
